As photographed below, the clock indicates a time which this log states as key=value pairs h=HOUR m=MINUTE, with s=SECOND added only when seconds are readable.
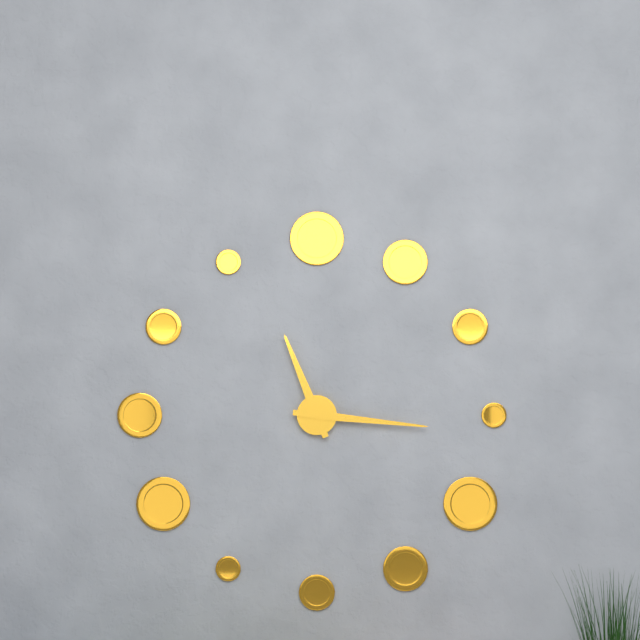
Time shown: h=11 m=16
